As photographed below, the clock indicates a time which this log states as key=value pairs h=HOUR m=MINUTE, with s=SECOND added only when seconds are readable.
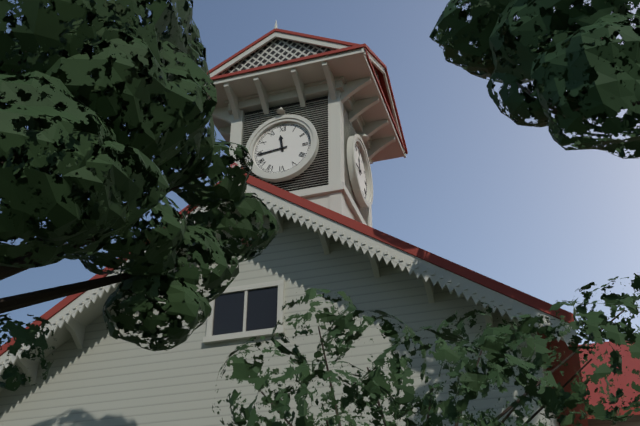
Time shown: h=11 m=44
